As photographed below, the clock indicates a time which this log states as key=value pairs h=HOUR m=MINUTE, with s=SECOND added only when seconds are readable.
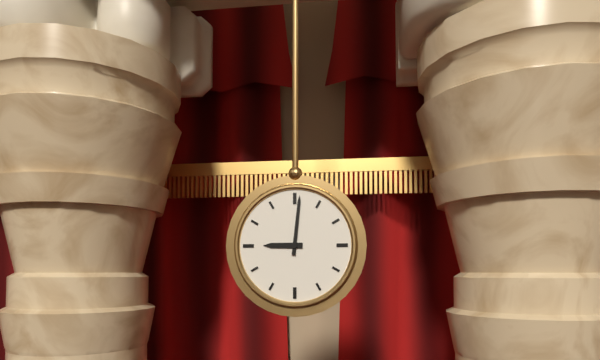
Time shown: h=9 m=1
